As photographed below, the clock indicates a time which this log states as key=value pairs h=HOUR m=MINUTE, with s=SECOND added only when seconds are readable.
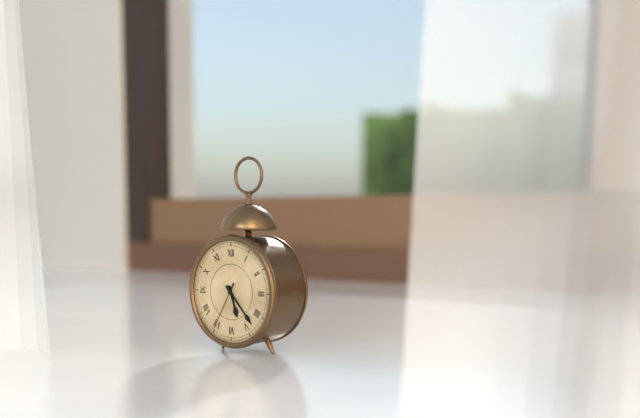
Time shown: h=5 m=23 s=35
